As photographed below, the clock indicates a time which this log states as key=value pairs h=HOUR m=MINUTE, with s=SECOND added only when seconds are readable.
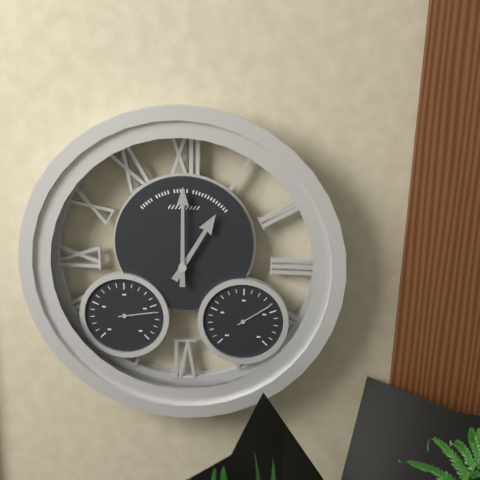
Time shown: h=1 m=0
